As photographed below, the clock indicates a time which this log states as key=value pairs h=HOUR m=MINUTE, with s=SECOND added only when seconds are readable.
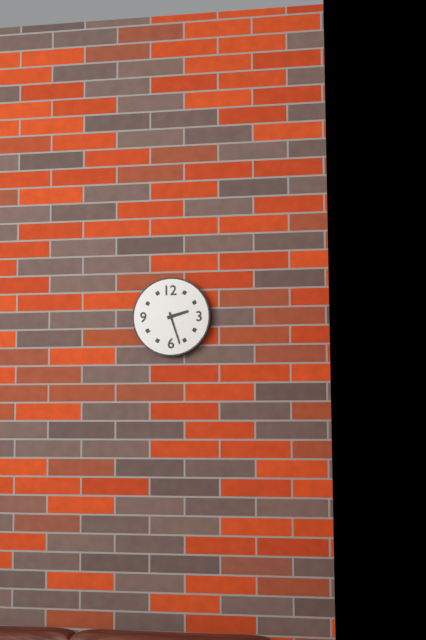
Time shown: h=2 m=27
